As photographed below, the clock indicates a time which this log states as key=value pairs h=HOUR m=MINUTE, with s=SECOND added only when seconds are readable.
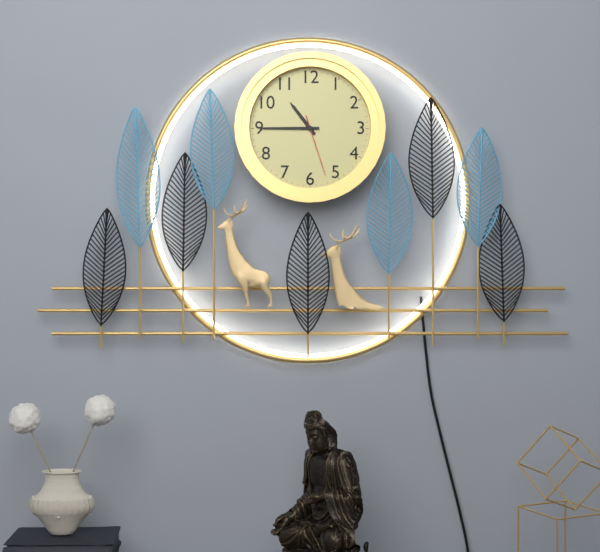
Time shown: h=10 m=45 s=27
